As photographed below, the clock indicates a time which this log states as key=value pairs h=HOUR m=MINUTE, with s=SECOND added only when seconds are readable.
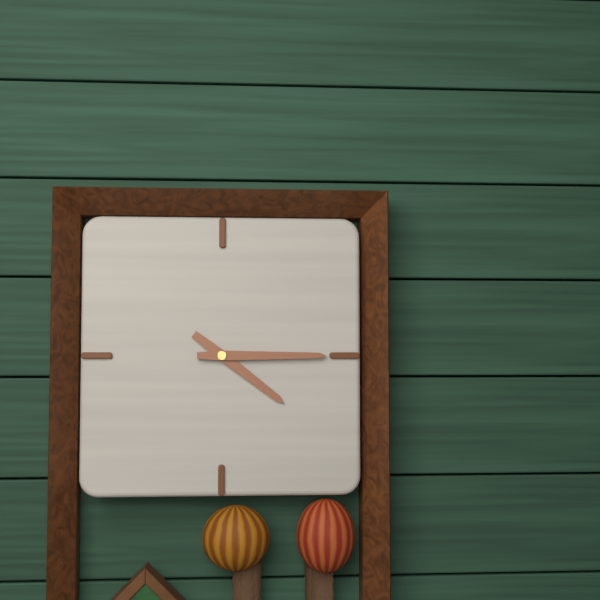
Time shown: h=4 m=15
